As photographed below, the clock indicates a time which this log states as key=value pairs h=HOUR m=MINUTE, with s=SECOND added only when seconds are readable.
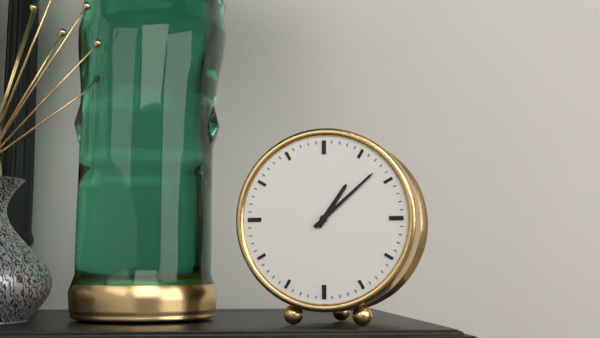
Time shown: h=1 m=8
